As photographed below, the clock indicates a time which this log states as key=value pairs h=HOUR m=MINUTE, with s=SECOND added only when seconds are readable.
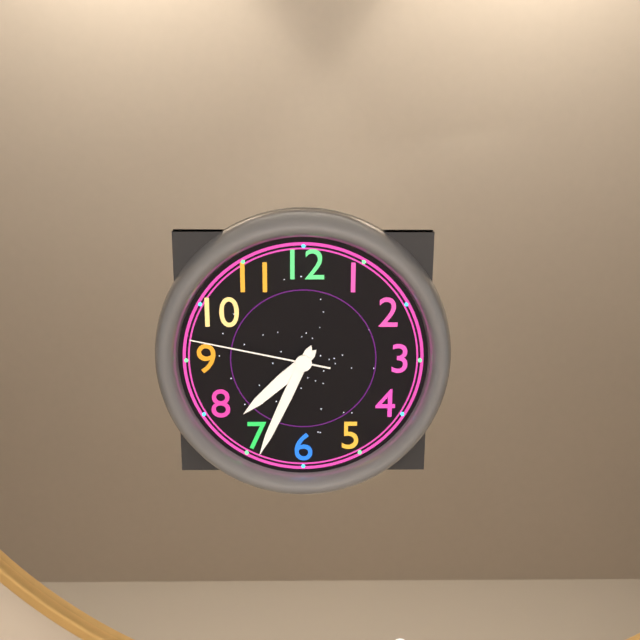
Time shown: h=7 m=34 s=47
